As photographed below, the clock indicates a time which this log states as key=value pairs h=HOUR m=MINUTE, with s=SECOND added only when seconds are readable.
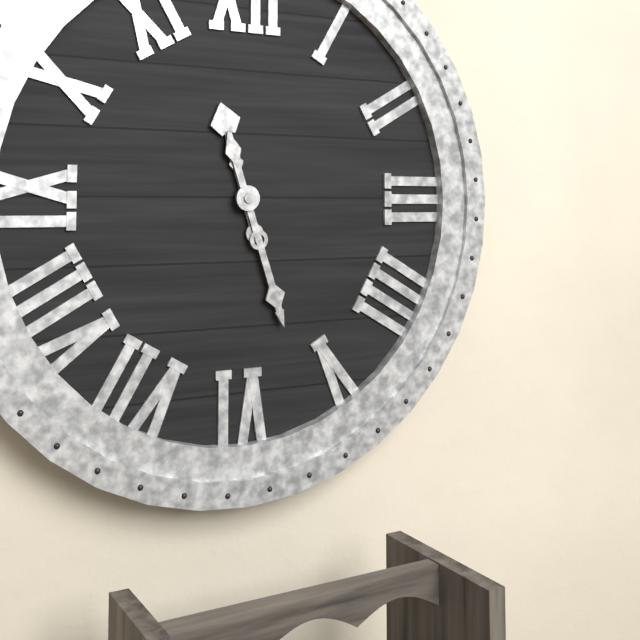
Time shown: h=11 m=27
